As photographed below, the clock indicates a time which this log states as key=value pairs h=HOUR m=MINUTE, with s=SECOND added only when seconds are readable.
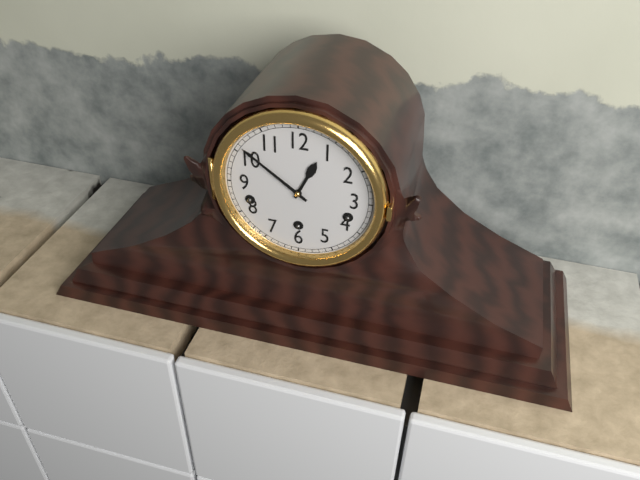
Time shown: h=12 m=51
